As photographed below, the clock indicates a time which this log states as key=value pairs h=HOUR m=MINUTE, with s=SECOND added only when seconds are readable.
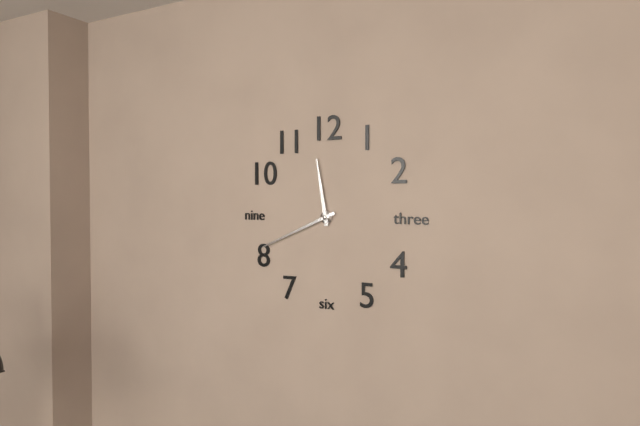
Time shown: h=11 m=41
